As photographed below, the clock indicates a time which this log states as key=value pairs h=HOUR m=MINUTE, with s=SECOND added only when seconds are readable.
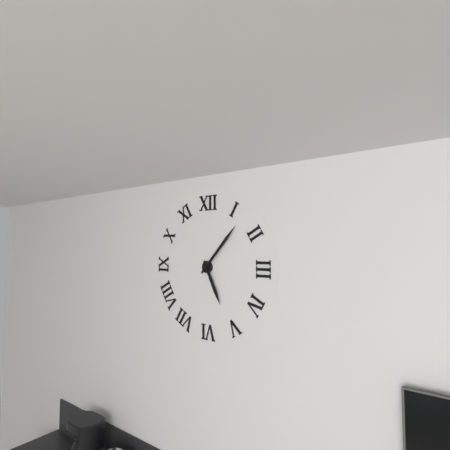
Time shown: h=5 m=7
